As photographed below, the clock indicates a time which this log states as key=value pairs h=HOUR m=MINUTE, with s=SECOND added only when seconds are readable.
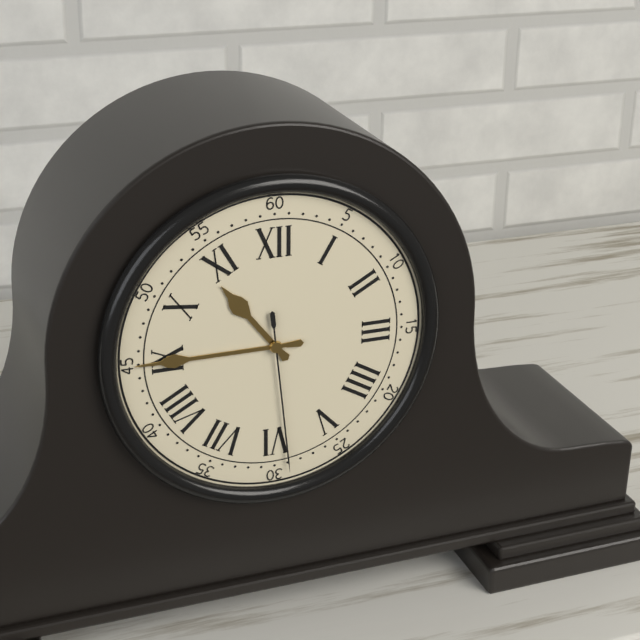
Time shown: h=10 m=45 s=29
